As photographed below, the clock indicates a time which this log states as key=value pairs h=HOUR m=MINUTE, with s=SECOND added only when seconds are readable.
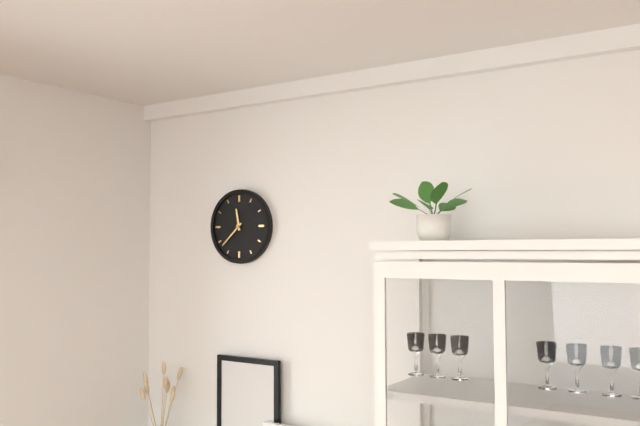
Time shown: h=11 m=38
